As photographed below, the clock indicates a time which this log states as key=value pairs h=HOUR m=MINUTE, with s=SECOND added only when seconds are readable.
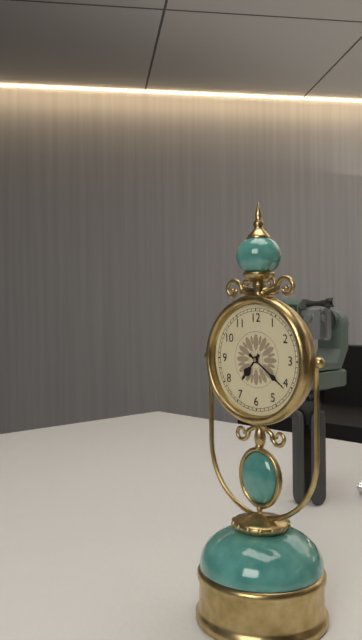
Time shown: h=7 m=21
